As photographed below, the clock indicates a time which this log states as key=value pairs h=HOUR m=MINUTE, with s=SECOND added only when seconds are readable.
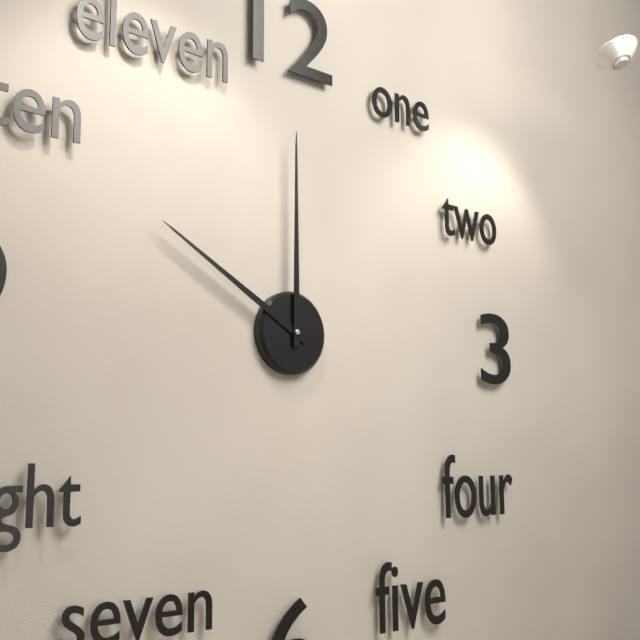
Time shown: h=10 m=0
